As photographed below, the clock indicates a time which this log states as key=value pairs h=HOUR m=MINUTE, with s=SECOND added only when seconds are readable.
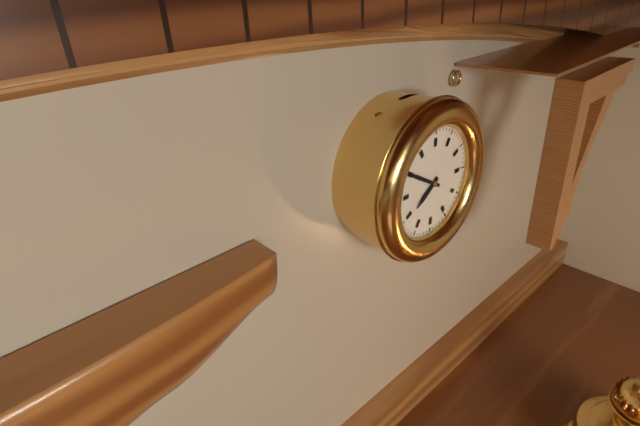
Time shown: h=7 m=50
